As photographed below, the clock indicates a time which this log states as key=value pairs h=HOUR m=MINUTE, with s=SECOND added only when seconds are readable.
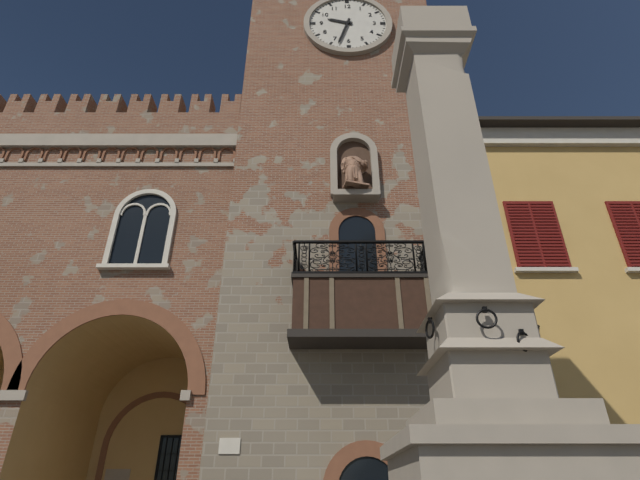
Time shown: h=9 m=33
